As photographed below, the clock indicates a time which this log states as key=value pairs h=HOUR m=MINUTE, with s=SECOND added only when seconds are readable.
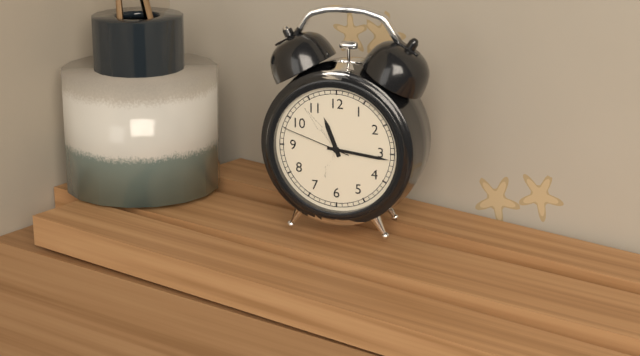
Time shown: h=11 m=16 s=48
